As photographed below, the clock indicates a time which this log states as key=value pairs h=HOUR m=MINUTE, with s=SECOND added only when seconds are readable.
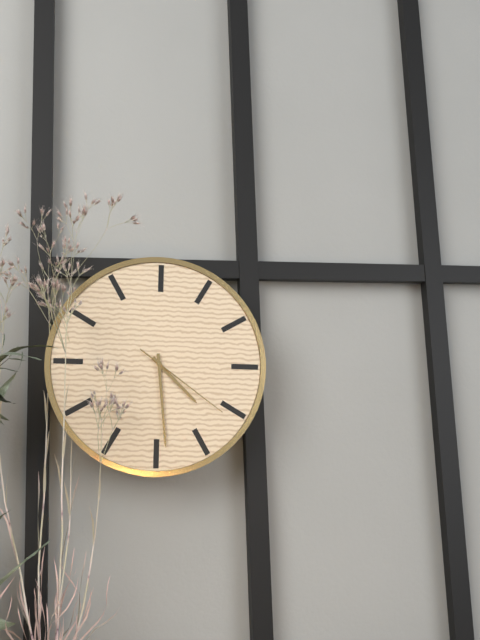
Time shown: h=4 m=29 s=21
